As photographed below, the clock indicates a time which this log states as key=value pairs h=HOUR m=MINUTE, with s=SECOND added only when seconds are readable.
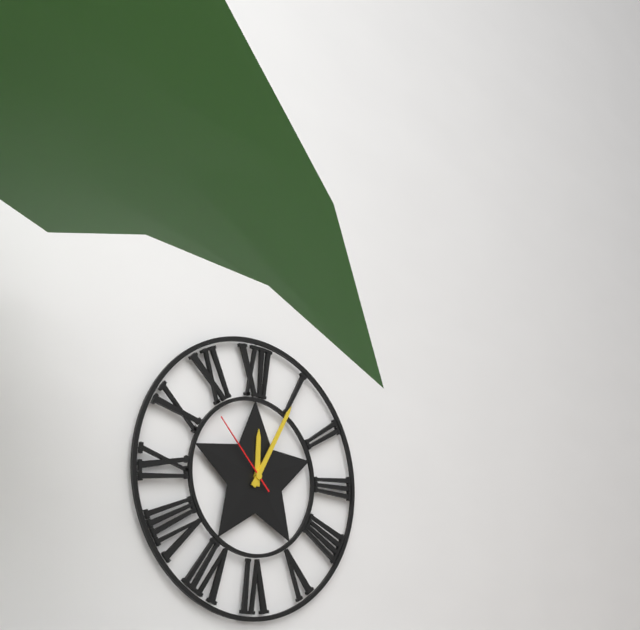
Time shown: h=12 m=5 s=53
